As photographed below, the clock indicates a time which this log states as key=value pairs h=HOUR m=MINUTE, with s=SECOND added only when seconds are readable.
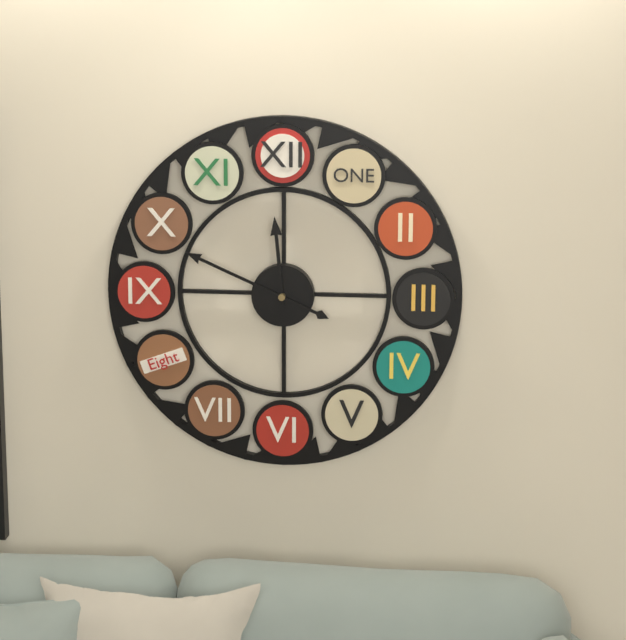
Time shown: h=11 m=49
